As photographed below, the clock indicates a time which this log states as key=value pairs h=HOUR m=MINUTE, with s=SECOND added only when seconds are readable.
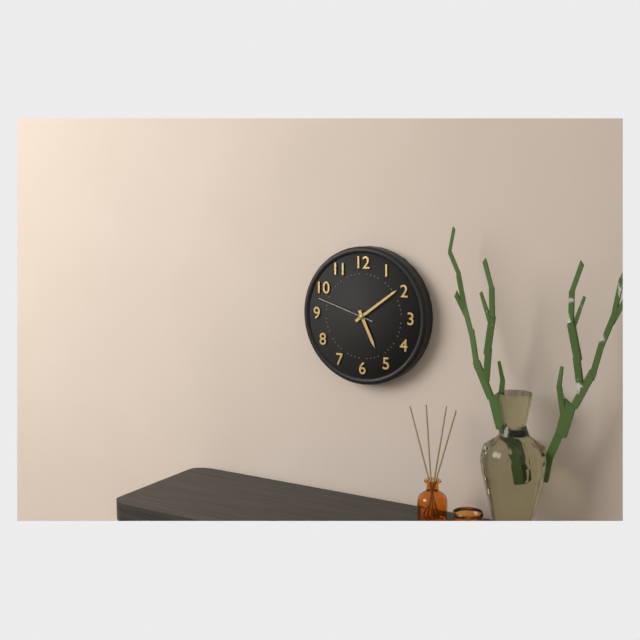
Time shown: h=5 m=9 s=48
